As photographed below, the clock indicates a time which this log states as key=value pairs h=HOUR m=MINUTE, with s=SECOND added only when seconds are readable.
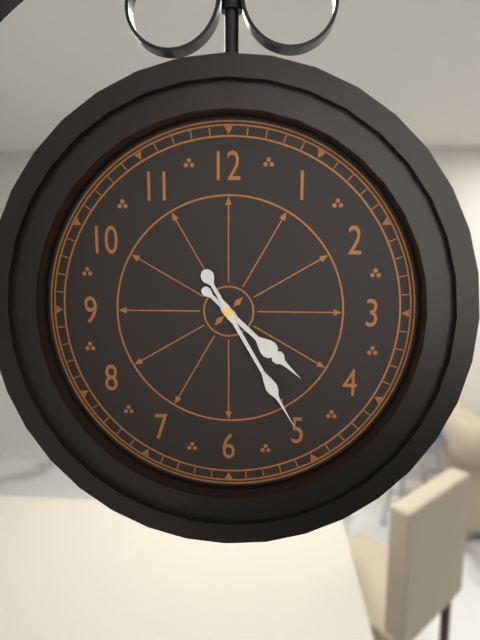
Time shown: h=4 m=25
